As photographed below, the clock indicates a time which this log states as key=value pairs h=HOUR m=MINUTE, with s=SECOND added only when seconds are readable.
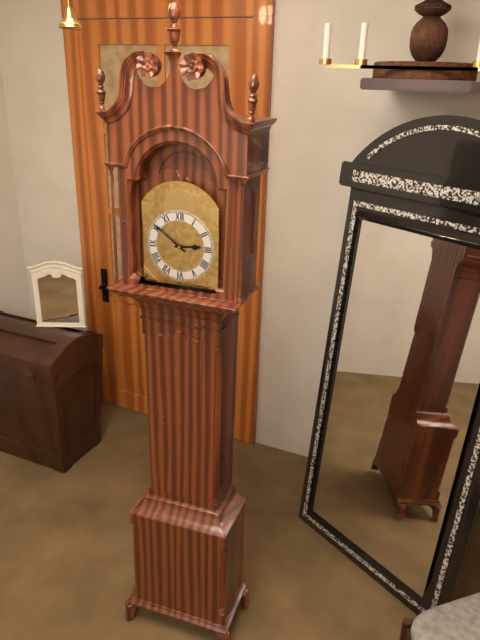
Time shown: h=2 m=51
